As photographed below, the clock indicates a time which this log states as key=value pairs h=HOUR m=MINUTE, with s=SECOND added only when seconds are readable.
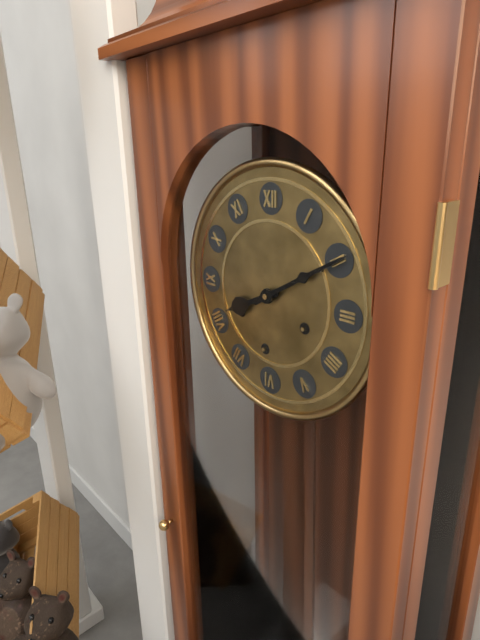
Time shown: h=8 m=10
